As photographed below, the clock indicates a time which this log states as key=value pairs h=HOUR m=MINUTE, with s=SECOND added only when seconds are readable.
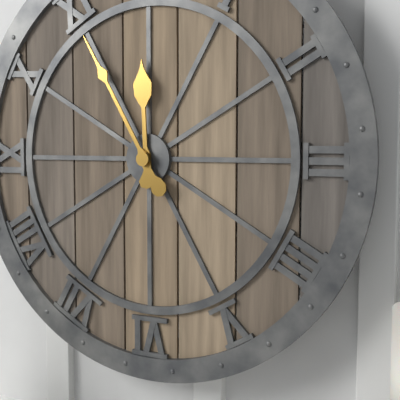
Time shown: h=11 m=55
